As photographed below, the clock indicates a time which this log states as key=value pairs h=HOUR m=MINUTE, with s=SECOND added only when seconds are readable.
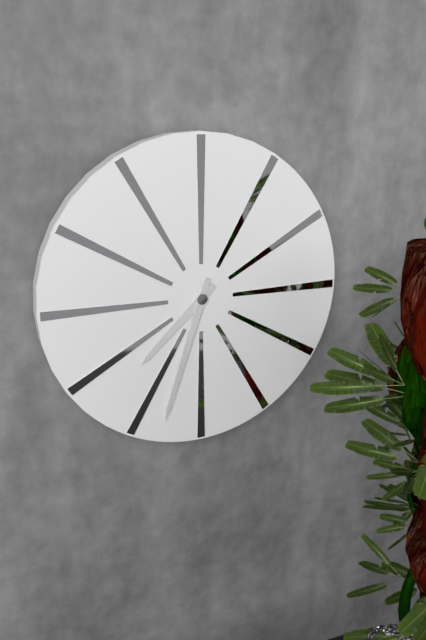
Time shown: h=7 m=33
